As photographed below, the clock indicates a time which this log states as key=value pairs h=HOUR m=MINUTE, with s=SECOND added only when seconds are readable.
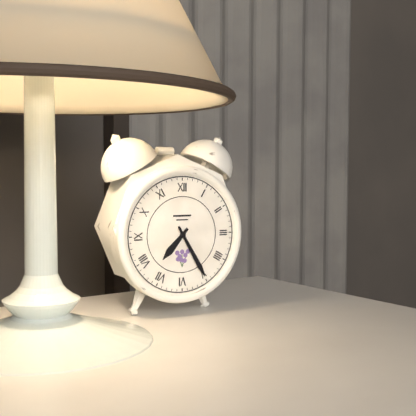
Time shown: h=7 m=25
